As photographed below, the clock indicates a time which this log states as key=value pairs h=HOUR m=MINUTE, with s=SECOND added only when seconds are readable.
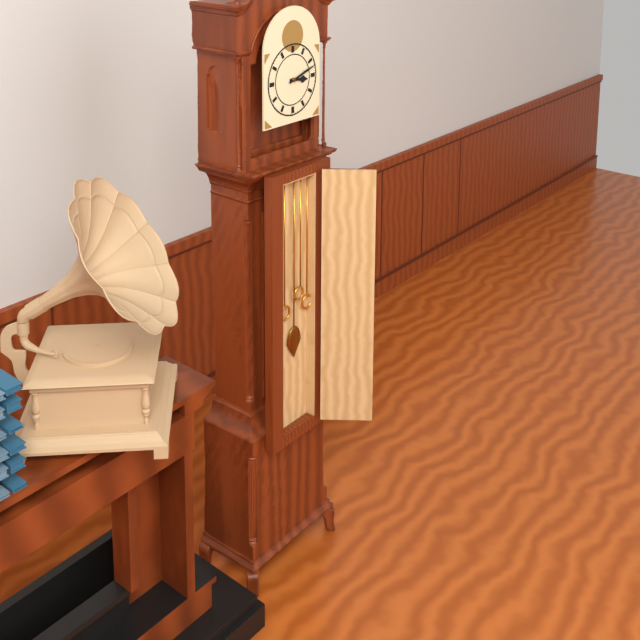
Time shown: h=3 m=12
